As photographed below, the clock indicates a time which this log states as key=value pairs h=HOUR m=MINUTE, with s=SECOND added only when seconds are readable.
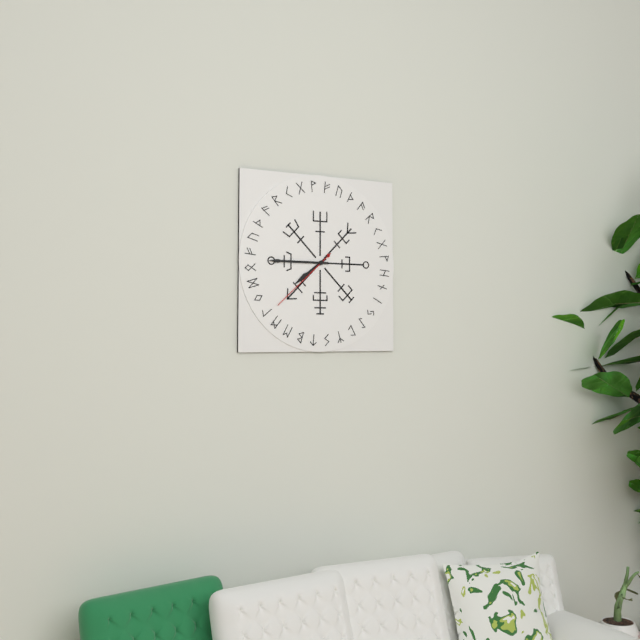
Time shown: h=7 m=45 s=38
